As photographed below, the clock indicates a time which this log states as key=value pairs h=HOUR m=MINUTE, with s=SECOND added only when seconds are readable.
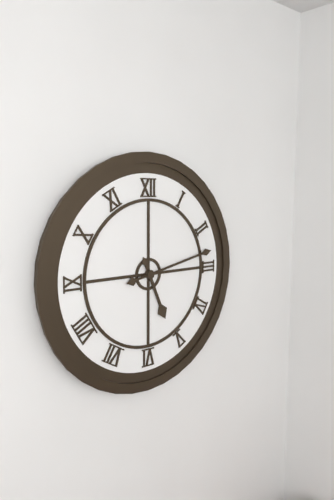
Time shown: h=5 m=13
